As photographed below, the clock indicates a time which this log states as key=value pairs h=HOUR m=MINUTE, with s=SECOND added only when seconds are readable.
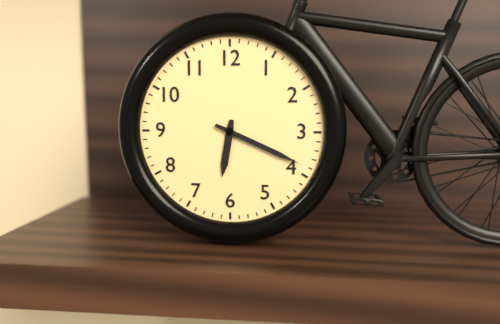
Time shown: h=6 m=19
